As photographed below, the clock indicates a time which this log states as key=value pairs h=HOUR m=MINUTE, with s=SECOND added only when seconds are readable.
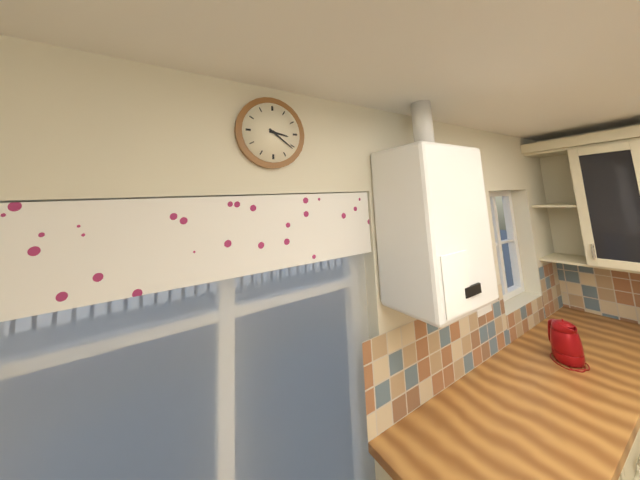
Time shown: h=3 m=21
